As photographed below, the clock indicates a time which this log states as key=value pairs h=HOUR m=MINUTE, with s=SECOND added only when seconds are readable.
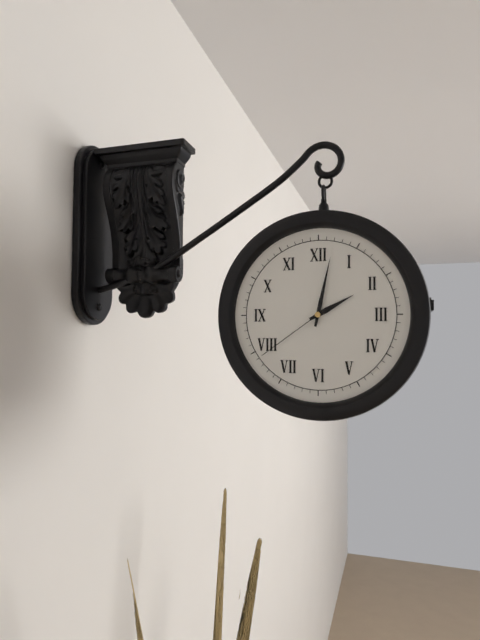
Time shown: h=2 m=2 s=39
